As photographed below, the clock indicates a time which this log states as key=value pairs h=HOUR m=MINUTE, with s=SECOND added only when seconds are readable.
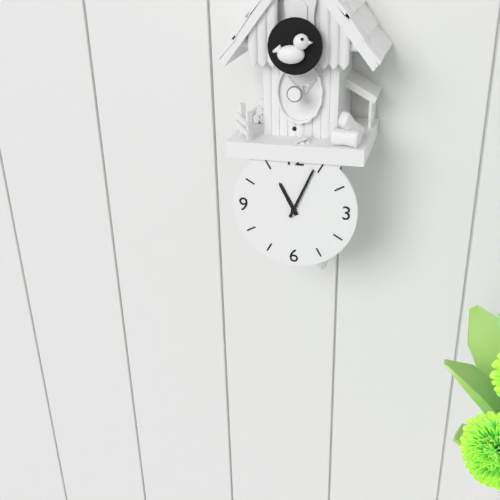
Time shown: h=11 m=4
